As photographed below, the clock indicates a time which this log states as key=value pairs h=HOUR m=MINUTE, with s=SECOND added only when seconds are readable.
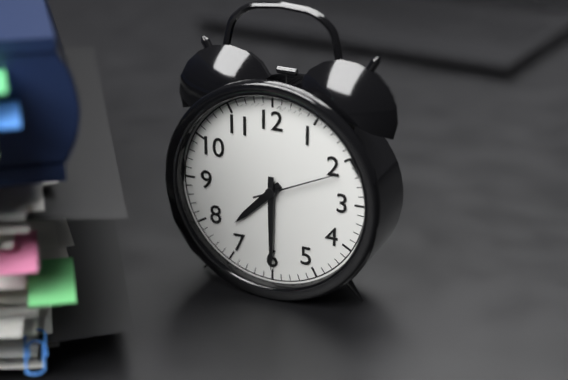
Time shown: h=7 m=30 s=11
